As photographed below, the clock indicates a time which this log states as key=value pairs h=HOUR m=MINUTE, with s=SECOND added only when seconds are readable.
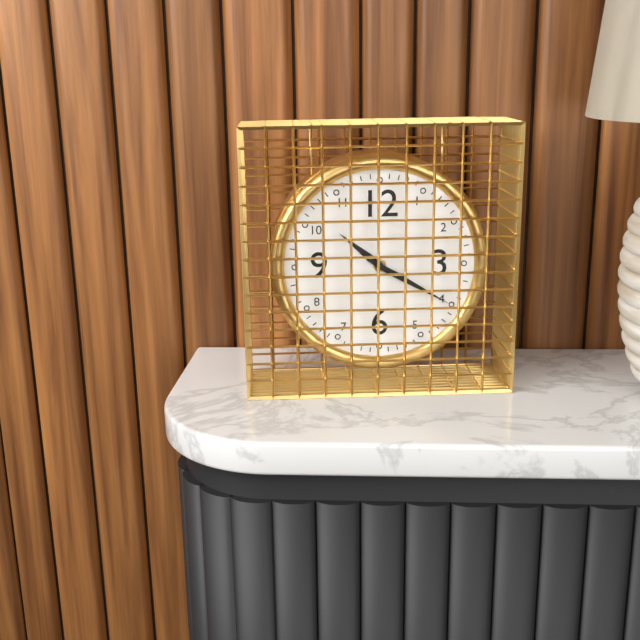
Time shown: h=10 m=20
